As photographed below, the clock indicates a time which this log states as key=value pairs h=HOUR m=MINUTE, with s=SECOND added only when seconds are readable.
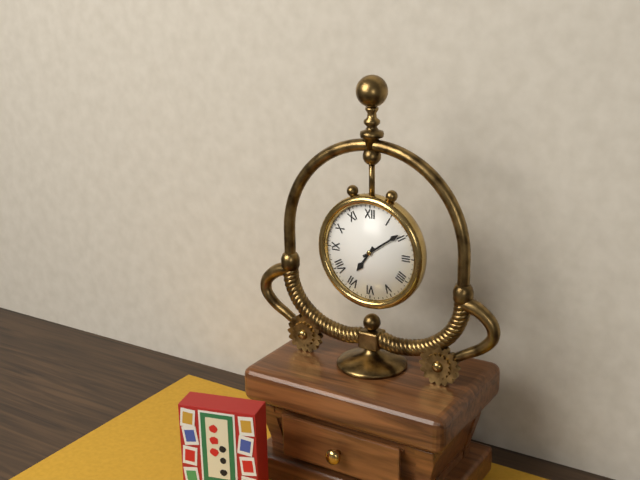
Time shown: h=7 m=9
